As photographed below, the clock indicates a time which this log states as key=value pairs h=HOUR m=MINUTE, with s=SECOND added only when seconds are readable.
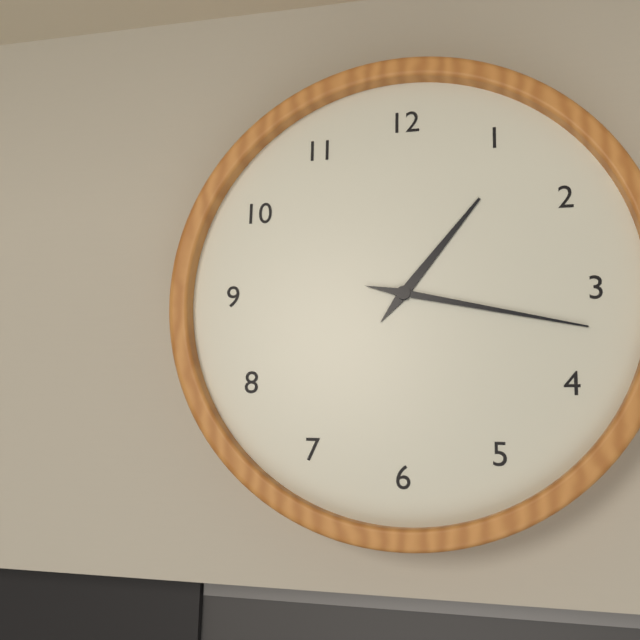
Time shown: h=1 m=17
